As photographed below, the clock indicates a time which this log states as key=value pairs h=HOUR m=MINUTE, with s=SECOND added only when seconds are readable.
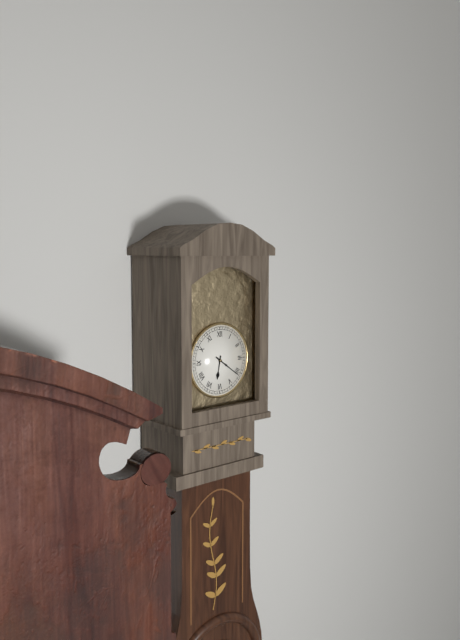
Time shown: h=6 m=21
